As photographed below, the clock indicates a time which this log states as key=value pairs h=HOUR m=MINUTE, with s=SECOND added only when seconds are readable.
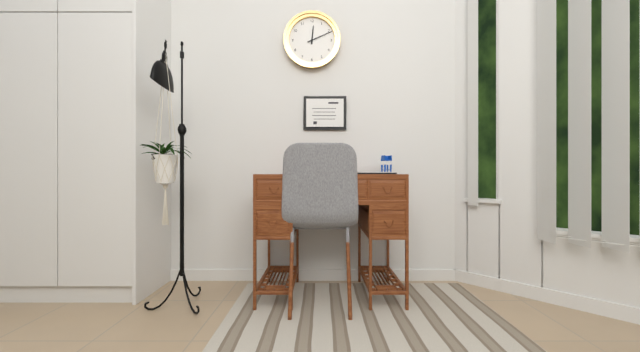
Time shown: h=12 m=11
